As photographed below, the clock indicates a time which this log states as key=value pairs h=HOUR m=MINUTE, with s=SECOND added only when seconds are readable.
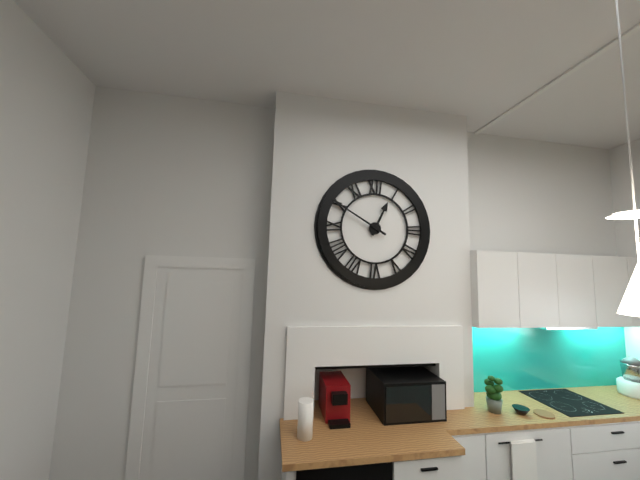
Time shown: h=12 m=50
